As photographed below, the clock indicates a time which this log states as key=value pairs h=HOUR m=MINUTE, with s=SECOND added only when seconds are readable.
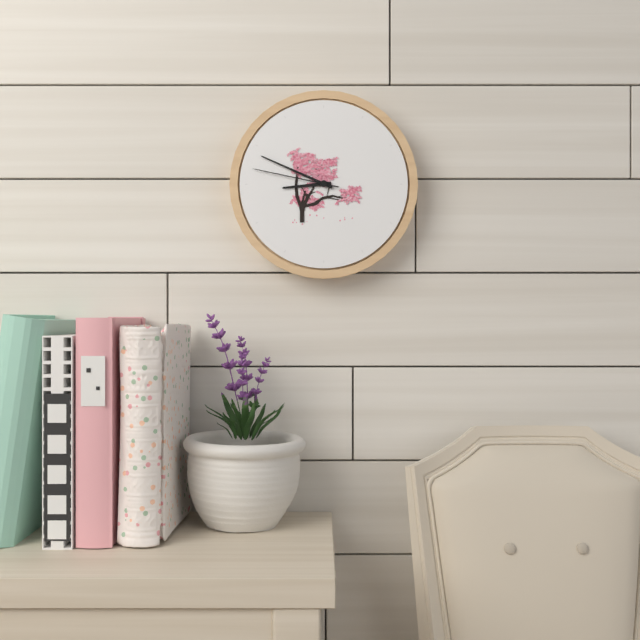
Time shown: h=8 m=49 s=47
